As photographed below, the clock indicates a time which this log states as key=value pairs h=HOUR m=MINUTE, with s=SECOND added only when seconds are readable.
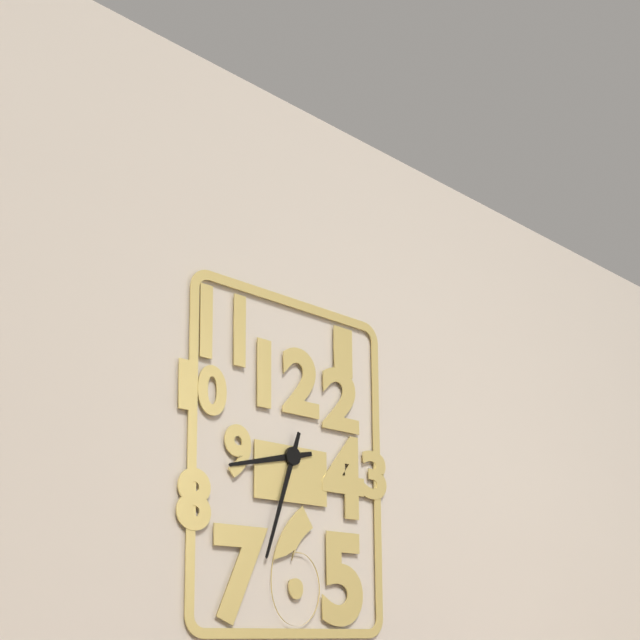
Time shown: h=8 m=33
